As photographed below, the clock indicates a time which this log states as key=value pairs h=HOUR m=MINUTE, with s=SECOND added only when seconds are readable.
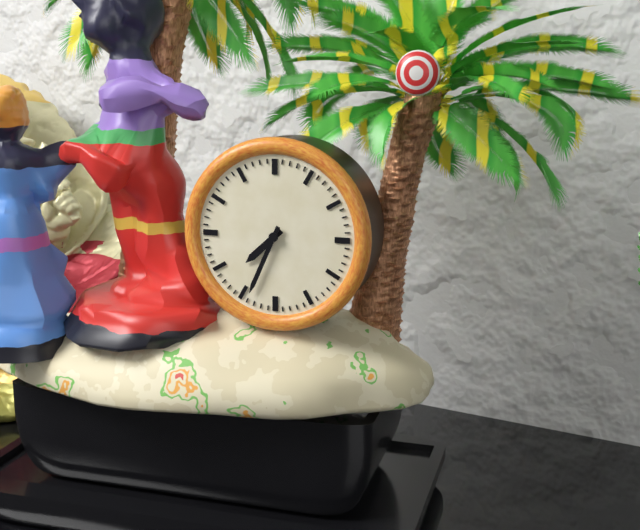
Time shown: h=7 m=34
